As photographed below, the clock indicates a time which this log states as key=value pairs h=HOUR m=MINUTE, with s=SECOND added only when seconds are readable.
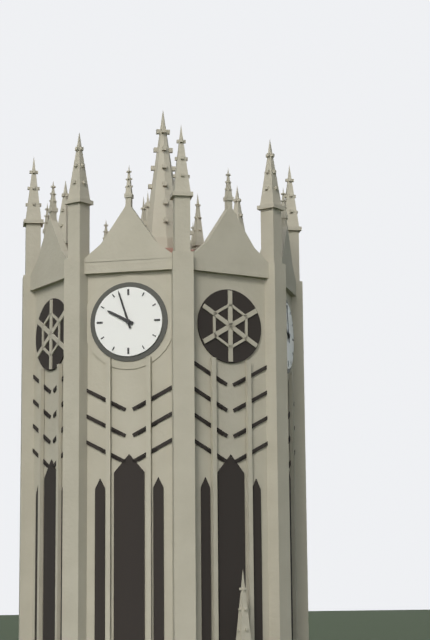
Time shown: h=9 m=57
